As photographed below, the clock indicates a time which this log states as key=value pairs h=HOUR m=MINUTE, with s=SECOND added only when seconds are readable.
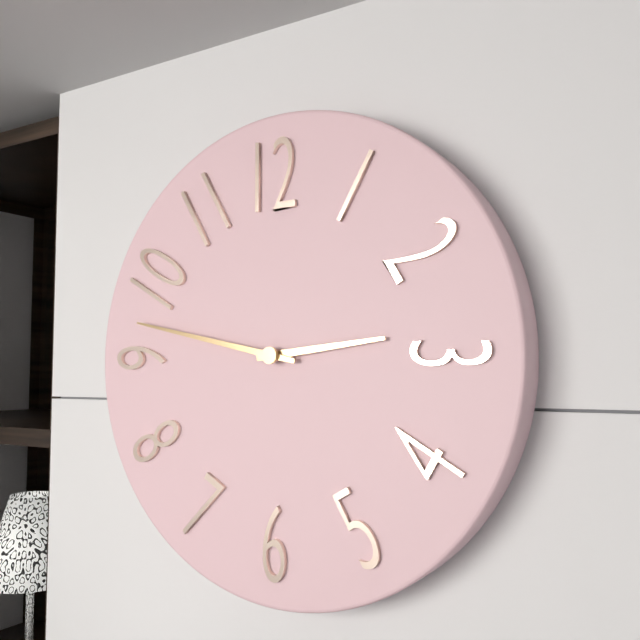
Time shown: h=2 m=47
